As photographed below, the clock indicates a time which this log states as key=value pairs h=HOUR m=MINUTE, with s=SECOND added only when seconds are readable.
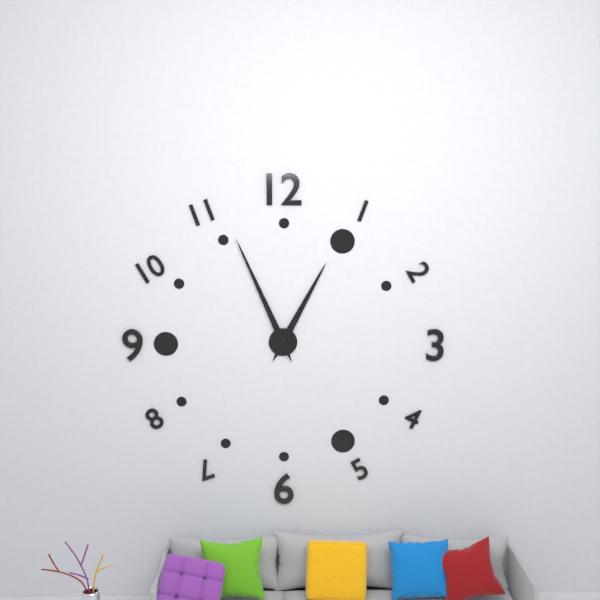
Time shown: h=12 m=56
